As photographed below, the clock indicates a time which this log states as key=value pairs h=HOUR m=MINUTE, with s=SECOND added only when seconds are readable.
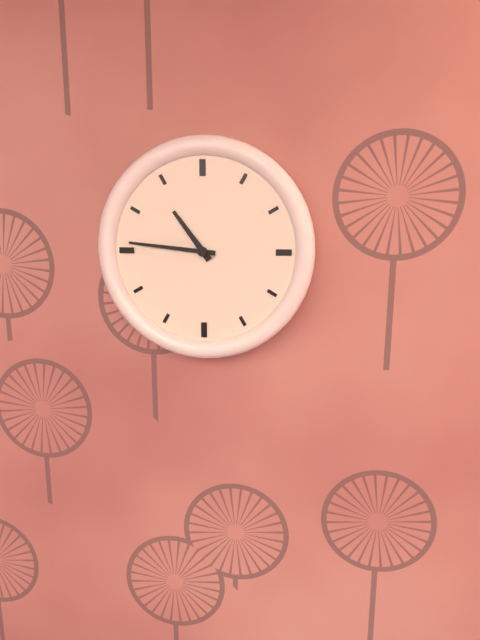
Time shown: h=10 m=46
